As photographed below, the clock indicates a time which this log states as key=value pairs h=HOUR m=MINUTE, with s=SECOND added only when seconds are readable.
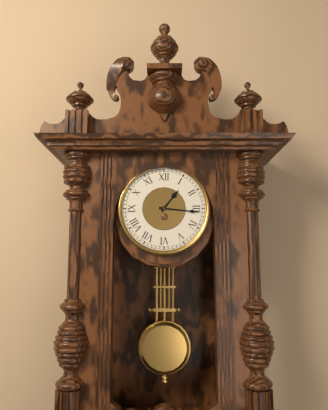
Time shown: h=1 m=16
